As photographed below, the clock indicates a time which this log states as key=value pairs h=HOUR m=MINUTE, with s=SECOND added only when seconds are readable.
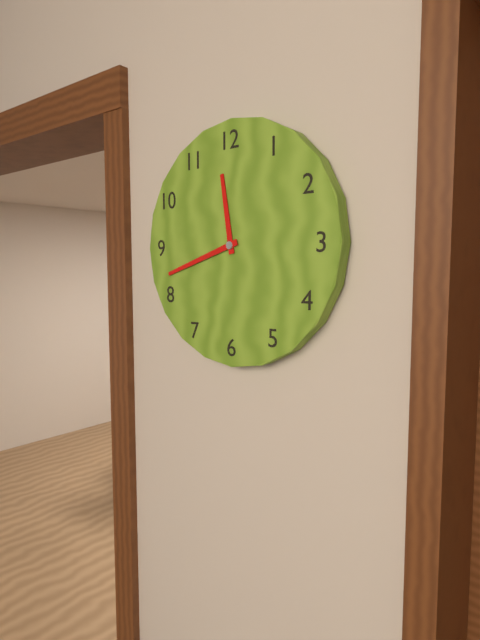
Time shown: h=11 m=42
